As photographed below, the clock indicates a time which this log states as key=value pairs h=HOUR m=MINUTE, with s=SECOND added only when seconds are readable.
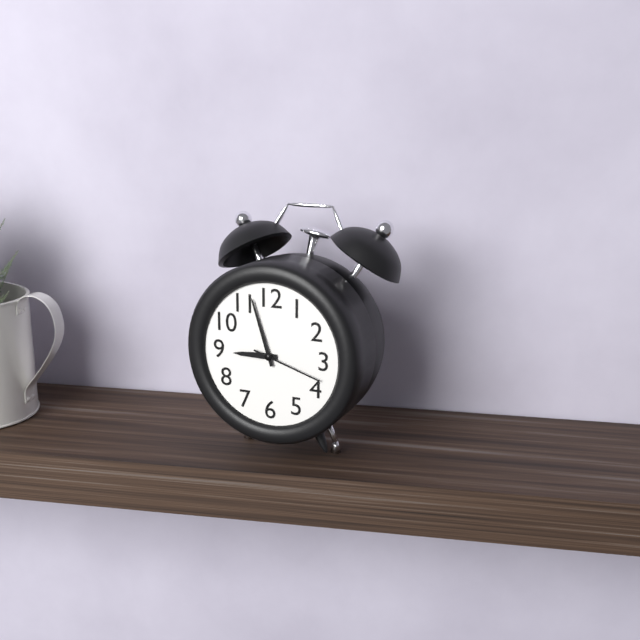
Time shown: h=8 m=57 s=18
